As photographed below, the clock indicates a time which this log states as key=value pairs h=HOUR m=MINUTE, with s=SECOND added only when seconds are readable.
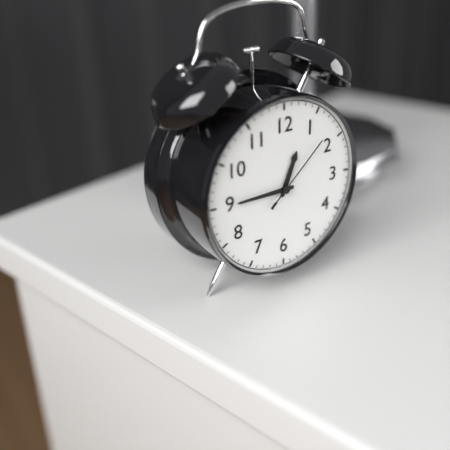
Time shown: h=12 m=45 s=8
